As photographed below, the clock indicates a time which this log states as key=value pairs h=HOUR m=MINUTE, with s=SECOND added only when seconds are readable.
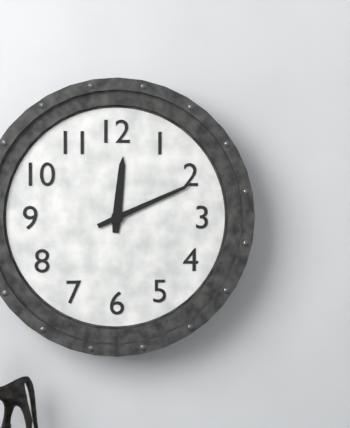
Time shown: h=12 m=11
